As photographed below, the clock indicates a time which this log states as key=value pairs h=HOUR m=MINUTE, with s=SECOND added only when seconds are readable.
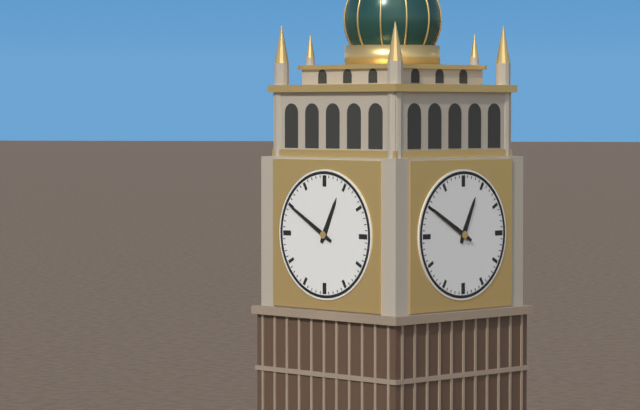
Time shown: h=12 m=50
